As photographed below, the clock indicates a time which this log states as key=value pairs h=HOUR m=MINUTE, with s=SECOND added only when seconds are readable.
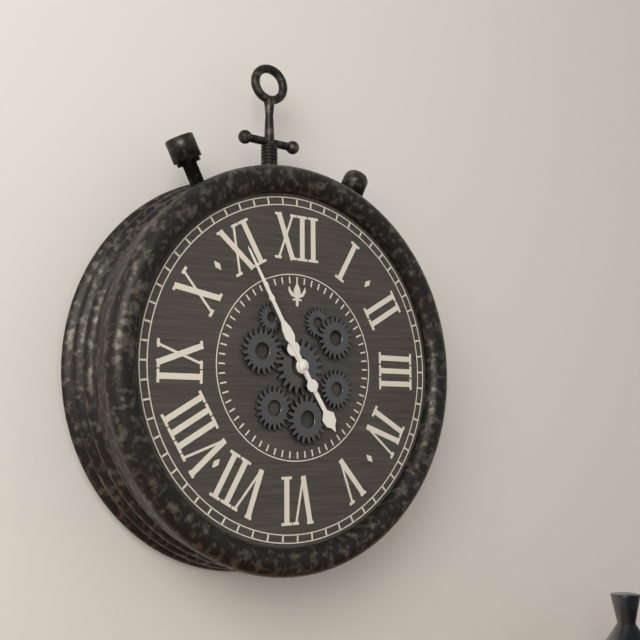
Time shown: h=4 m=55
